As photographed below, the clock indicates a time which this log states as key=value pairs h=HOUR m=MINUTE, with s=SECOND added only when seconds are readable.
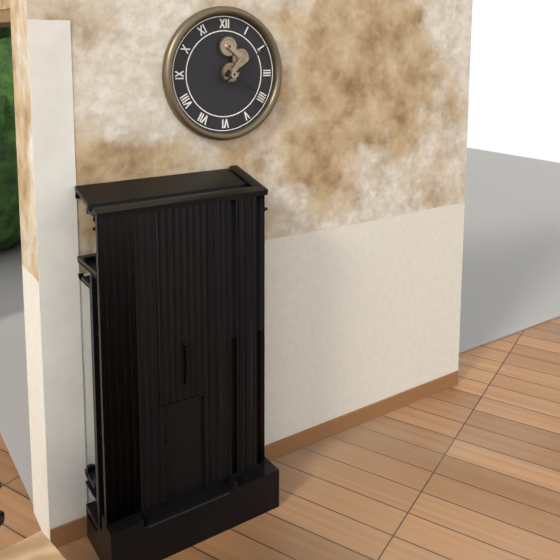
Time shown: h=4 m=9
